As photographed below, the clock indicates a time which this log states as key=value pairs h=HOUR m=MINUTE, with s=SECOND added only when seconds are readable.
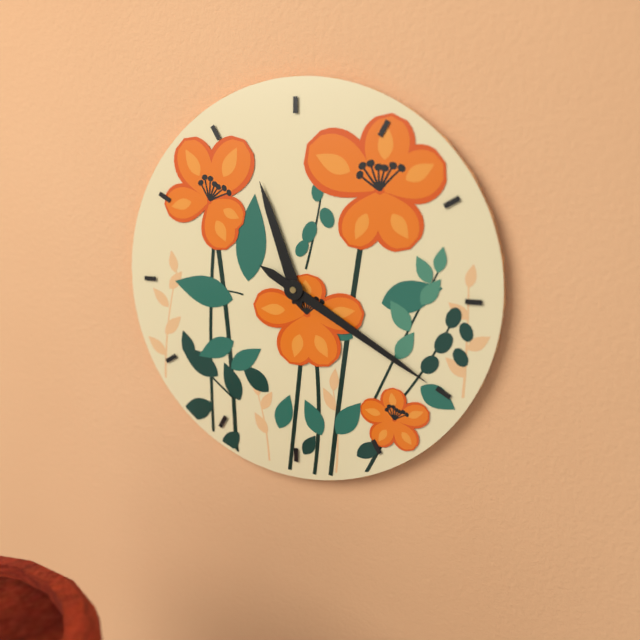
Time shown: h=11 m=20
